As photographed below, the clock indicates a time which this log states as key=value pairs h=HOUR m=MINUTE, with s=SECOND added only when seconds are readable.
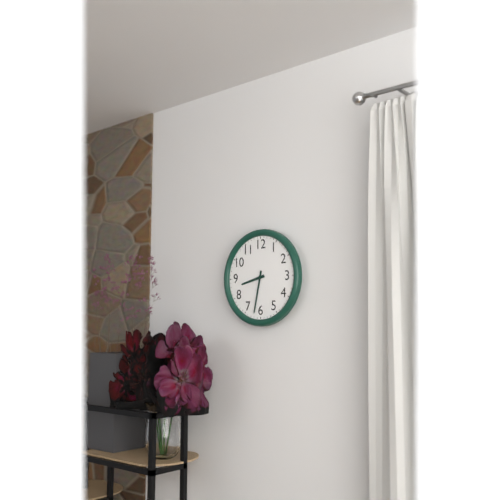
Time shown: h=8 m=32
